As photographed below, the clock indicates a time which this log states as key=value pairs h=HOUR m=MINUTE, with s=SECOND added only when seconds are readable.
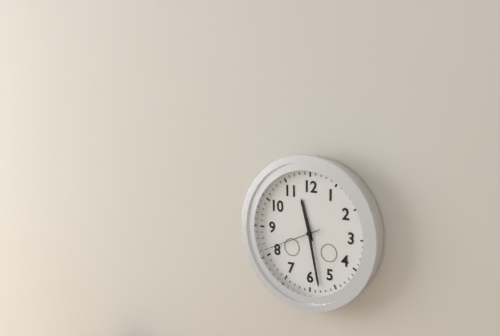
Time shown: h=11 m=28 s=41
